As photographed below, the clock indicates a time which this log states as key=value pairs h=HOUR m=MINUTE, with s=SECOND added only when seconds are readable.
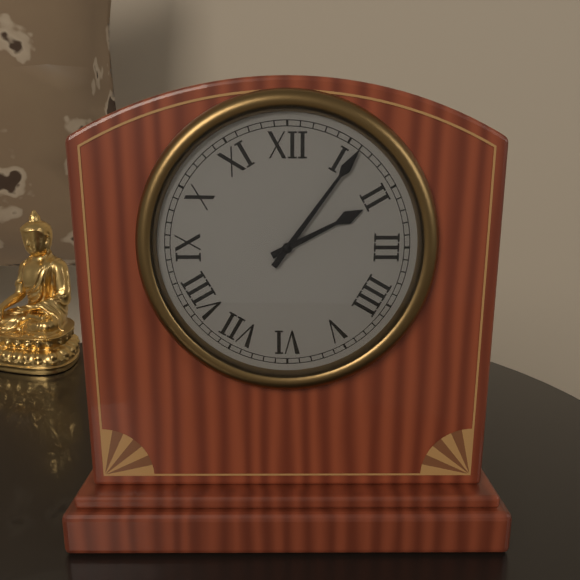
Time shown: h=2 m=6
